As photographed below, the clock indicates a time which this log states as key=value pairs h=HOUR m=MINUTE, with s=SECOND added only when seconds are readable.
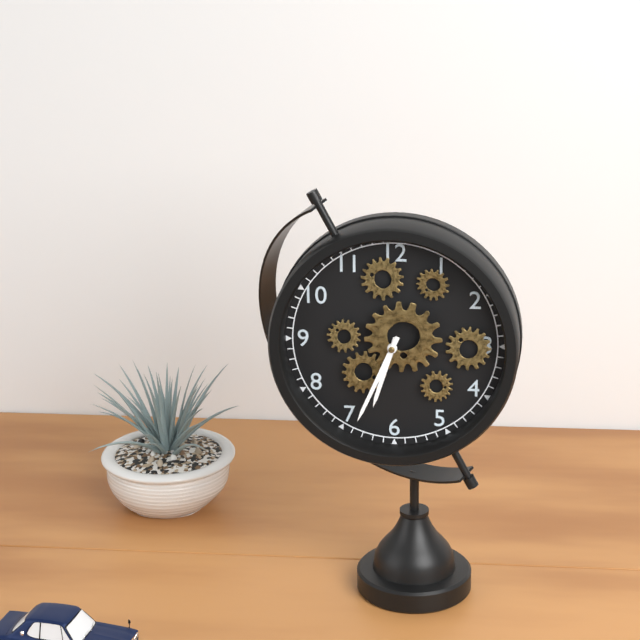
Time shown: h=6 m=34
